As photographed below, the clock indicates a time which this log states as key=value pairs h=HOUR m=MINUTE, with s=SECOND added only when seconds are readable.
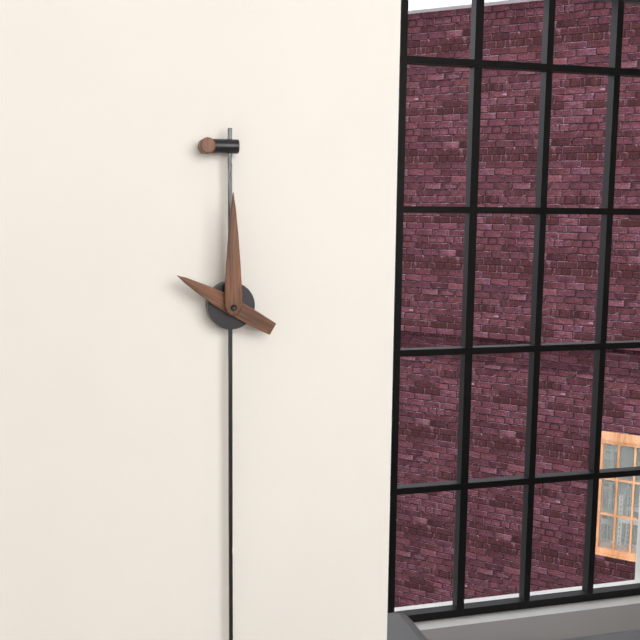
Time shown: h=10 m=0
